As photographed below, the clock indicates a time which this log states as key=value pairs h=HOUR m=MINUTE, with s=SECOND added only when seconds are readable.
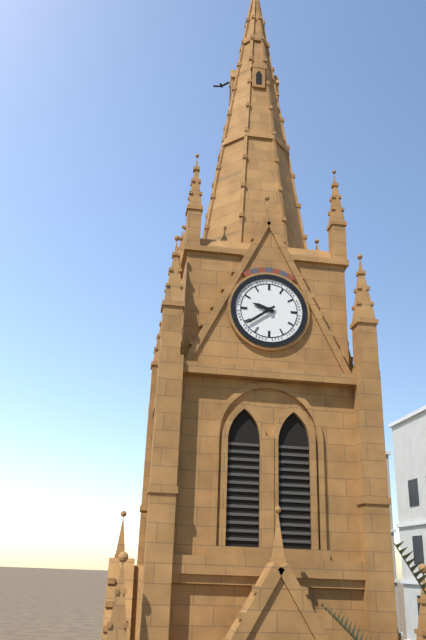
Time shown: h=9 m=39
